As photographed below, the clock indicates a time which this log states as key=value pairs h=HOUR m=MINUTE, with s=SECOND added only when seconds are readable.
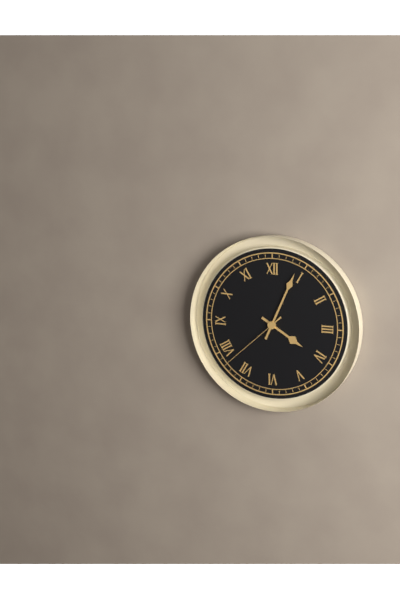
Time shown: h=4 m=4 s=38
